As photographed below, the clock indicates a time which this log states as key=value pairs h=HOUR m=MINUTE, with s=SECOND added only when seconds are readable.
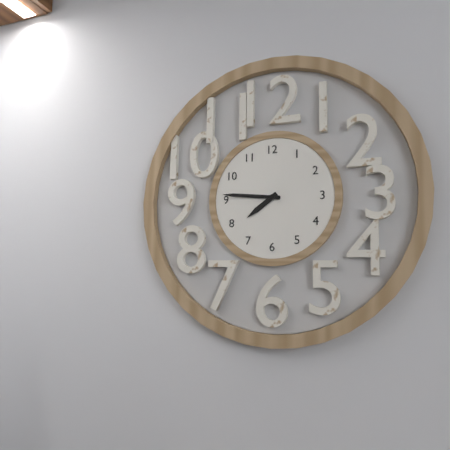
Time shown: h=7 m=46
